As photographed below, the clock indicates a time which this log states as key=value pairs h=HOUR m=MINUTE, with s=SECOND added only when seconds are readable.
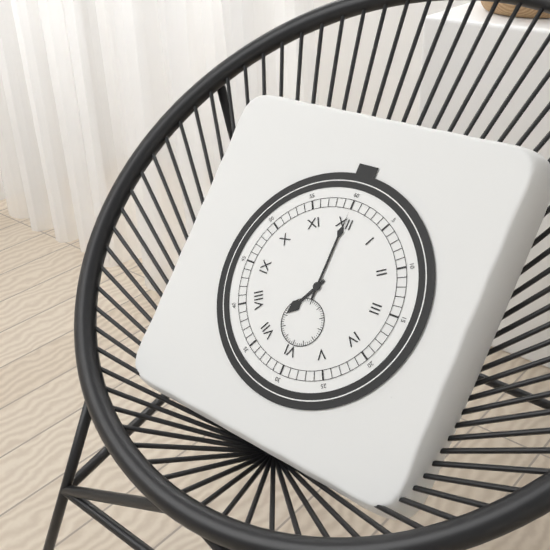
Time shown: h=7 m=0
